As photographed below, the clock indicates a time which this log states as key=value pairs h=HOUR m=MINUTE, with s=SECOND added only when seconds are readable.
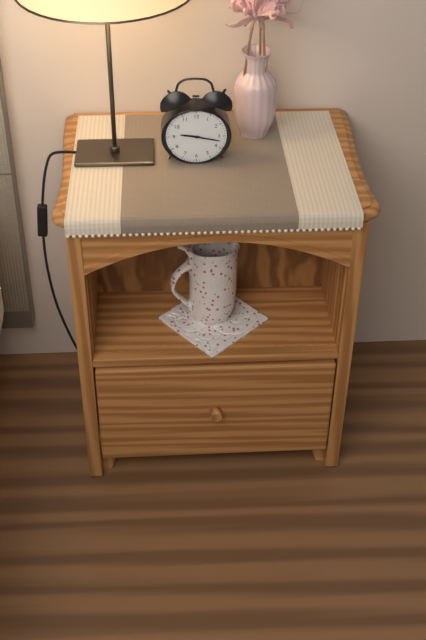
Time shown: h=9 m=17
